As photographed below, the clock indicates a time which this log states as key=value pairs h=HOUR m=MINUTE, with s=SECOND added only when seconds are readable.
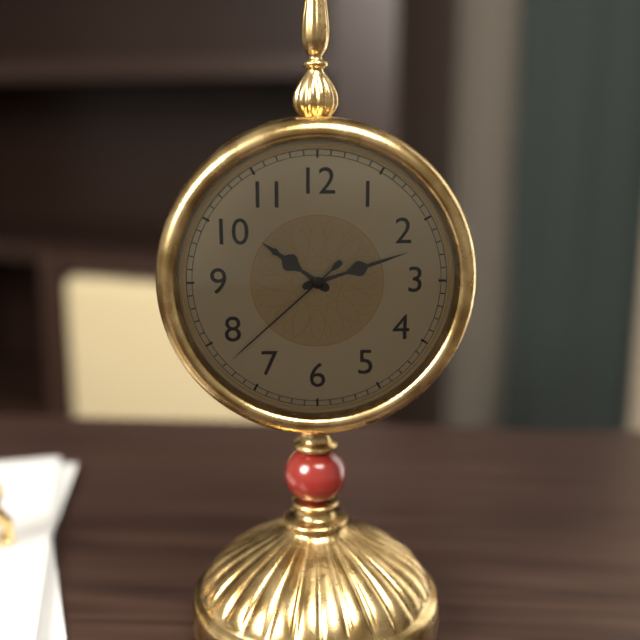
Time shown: h=10 m=12 s=38
